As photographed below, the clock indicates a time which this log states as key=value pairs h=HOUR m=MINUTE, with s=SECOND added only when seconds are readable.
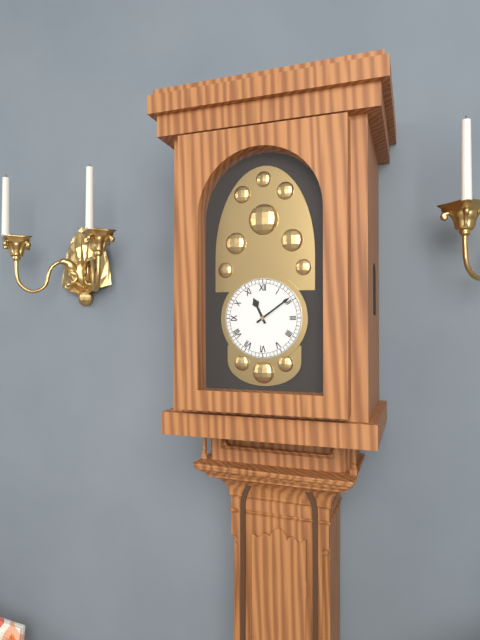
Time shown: h=11 m=9
